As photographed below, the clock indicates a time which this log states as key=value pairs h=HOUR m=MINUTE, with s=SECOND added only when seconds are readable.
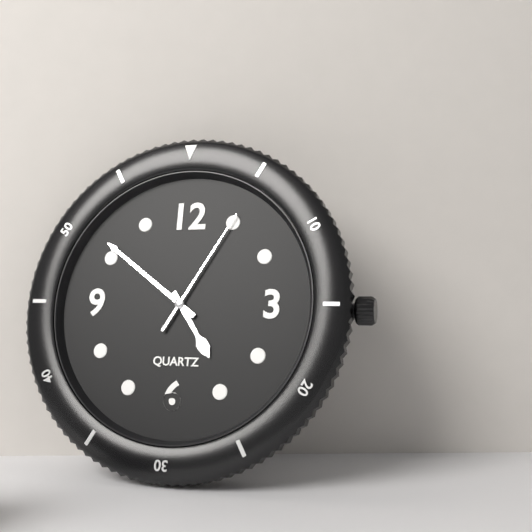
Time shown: h=4 m=51 s=5
